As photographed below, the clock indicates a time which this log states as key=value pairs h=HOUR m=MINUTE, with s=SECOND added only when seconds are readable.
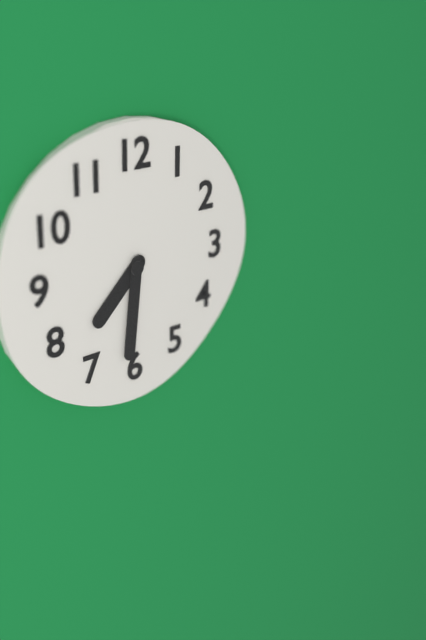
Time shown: h=7 m=31
